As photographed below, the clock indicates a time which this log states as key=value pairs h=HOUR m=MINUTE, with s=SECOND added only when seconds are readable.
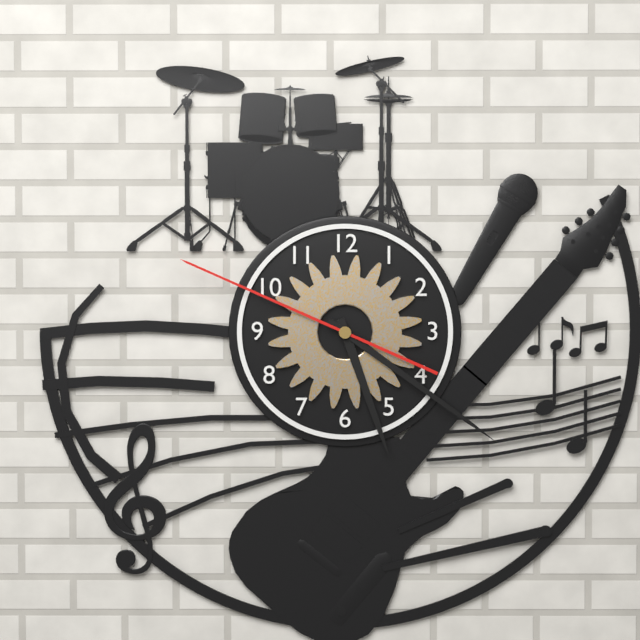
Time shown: h=5 m=21 s=49
